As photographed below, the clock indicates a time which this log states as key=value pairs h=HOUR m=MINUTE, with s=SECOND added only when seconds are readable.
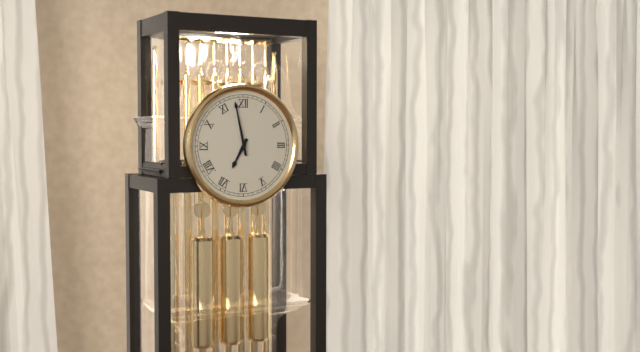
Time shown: h=6 m=58
